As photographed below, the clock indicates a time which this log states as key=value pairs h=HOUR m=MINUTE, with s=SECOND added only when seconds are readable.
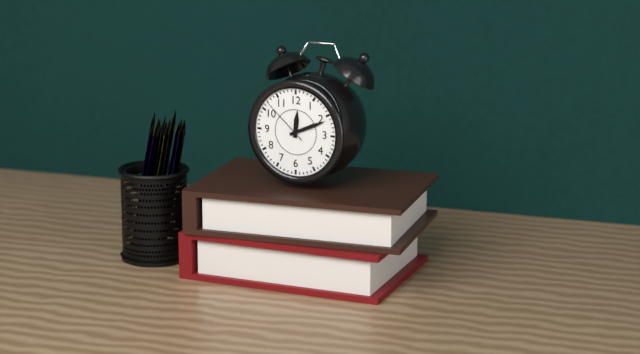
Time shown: h=12 m=11 s=52
